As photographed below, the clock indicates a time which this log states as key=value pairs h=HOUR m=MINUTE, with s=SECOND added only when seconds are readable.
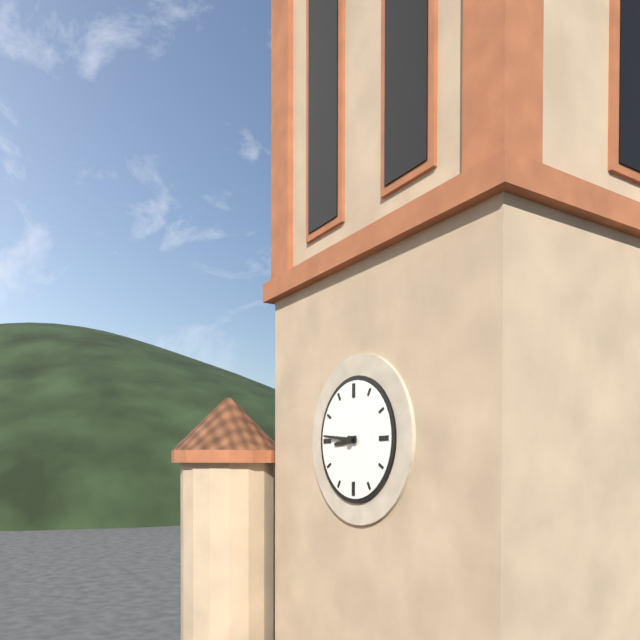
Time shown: h=8 m=46
